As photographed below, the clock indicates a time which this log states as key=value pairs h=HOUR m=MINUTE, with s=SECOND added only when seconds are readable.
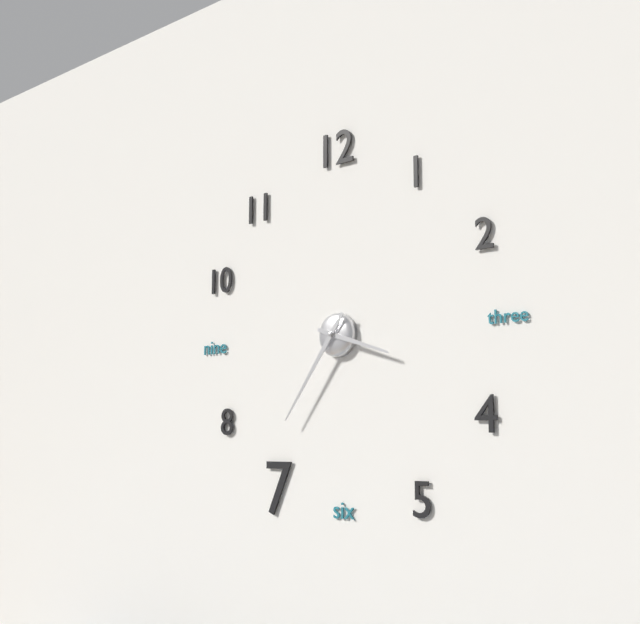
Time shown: h=3 m=36
